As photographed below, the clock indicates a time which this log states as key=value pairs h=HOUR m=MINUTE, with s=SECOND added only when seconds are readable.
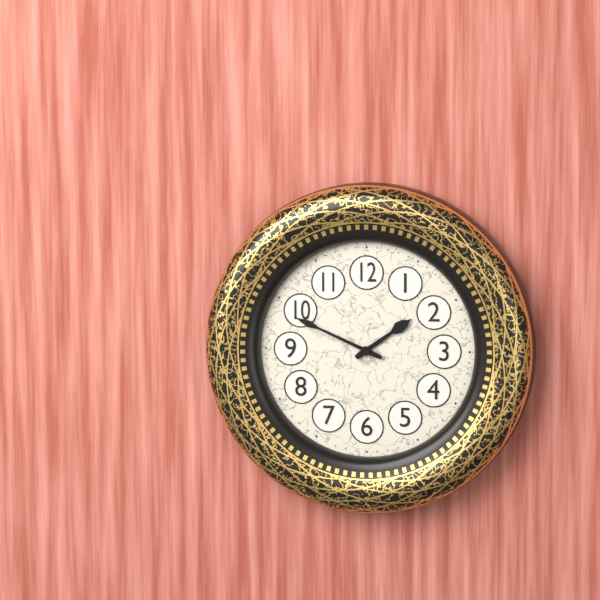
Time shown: h=1 m=49
